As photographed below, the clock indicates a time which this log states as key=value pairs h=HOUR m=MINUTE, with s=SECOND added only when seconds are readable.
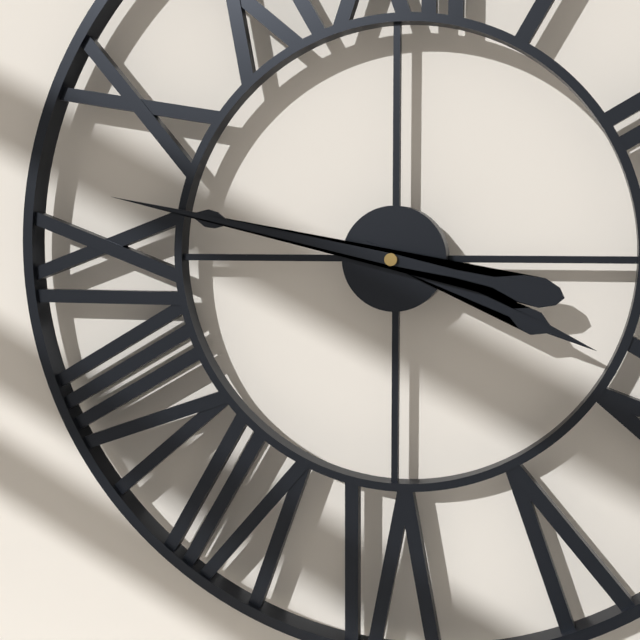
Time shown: h=3 m=47
